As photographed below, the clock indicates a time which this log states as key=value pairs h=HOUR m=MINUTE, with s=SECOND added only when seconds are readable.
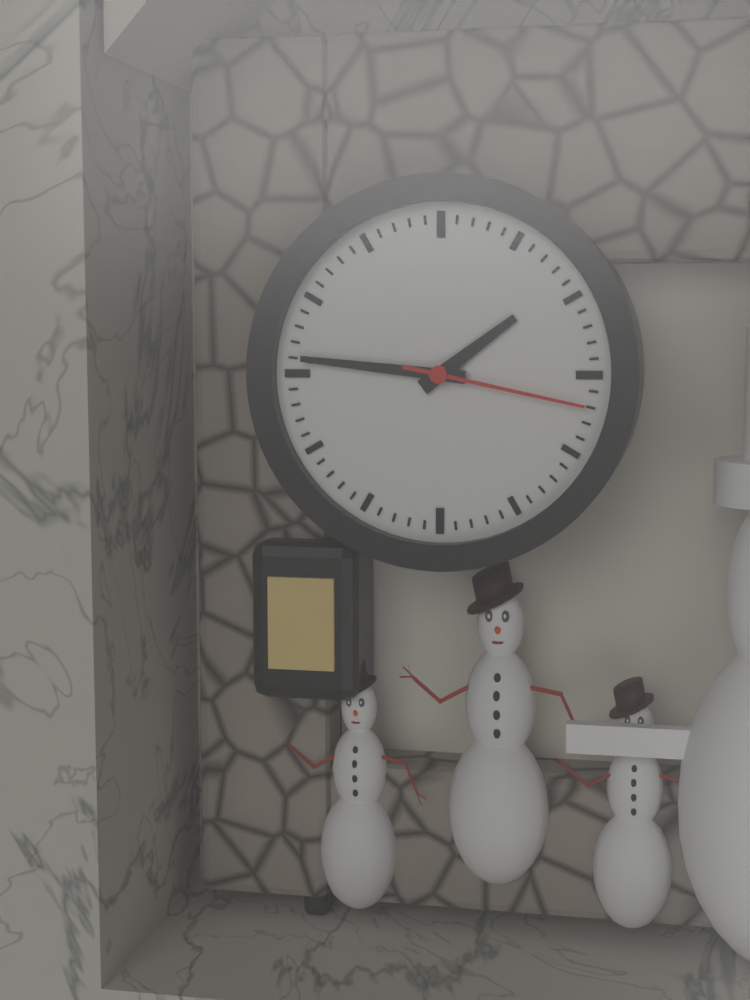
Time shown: h=1 m=46 s=17
